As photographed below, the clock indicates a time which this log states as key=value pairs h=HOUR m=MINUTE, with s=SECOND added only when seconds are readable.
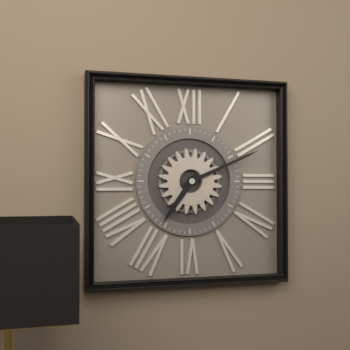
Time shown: h=7 m=11
